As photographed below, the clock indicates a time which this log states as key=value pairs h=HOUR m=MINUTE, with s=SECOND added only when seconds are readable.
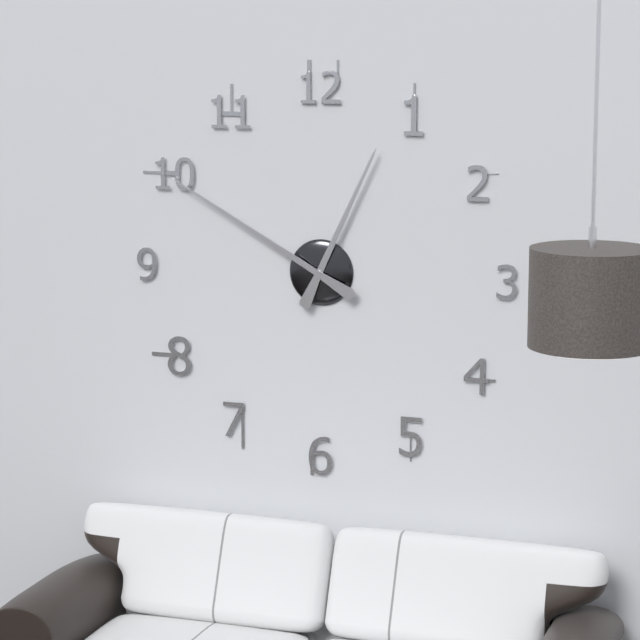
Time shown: h=12 m=50
